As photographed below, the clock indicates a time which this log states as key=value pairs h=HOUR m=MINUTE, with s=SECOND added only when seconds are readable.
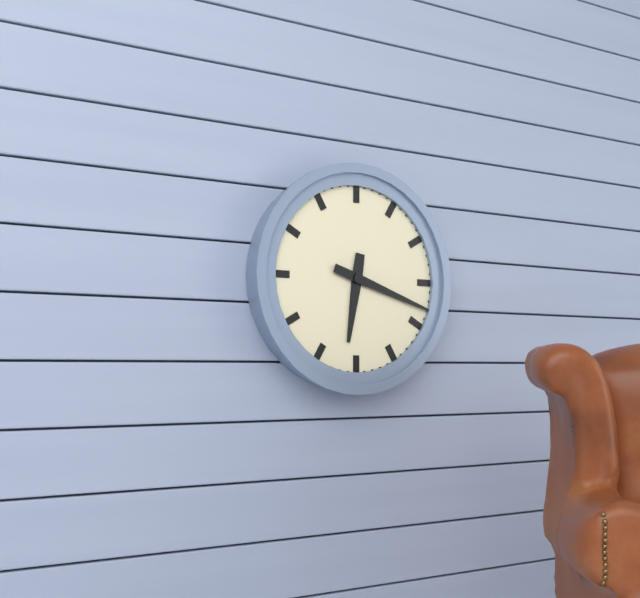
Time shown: h=6 m=18
